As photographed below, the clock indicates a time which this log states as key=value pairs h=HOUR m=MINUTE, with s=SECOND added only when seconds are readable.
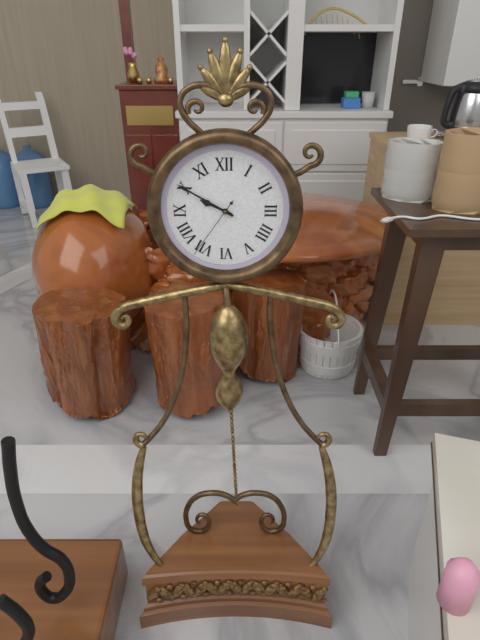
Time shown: h=9 m=50 s=36
